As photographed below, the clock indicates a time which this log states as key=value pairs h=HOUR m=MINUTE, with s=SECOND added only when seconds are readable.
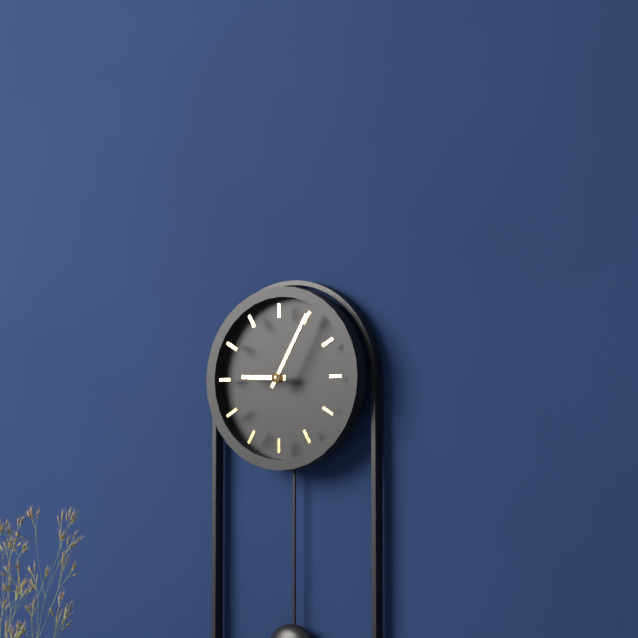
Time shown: h=9 m=5
